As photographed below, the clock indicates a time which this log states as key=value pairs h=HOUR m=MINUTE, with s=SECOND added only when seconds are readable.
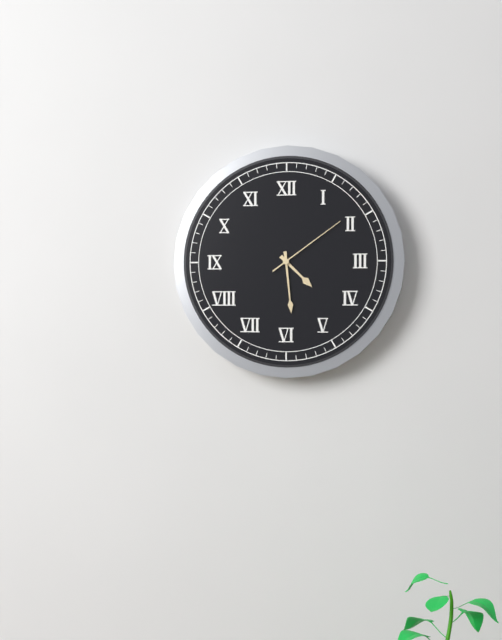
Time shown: h=4 m=29 s=9
